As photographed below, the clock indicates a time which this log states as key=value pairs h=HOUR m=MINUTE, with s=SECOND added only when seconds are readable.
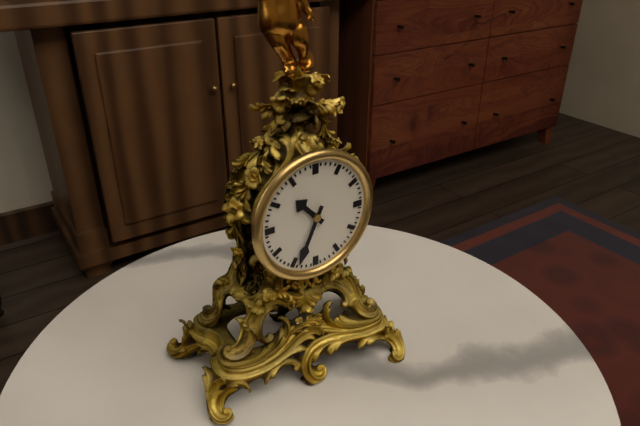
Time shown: h=10 m=34
